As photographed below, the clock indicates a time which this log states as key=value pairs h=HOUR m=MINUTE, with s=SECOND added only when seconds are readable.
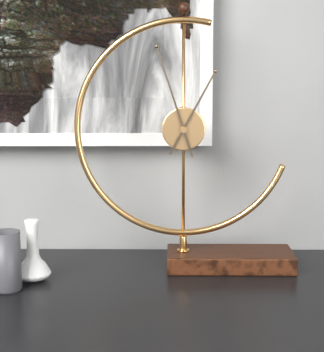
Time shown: h=12 m=57
